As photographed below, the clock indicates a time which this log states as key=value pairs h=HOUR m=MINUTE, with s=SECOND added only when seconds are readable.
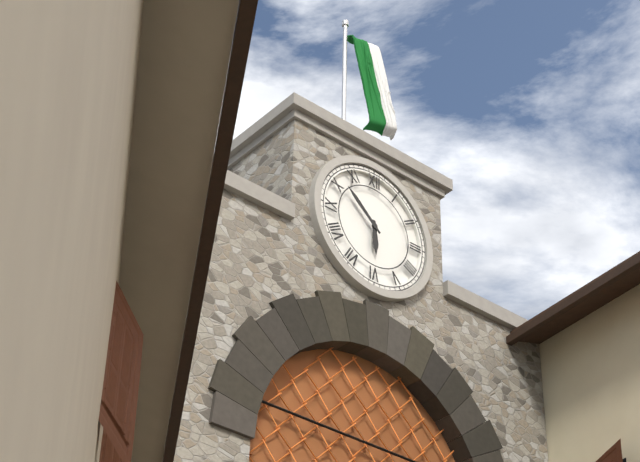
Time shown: h=5 m=52
